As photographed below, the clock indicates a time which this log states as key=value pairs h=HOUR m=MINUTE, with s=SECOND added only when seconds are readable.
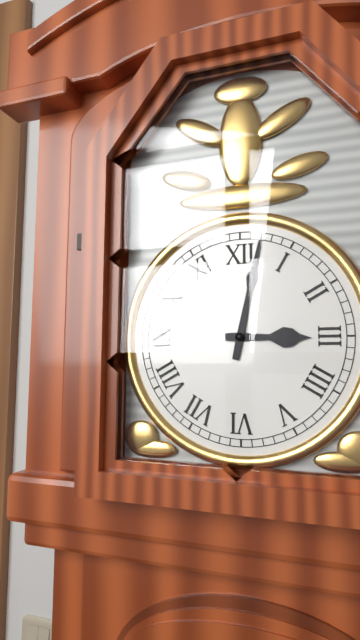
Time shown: h=3 m=2
